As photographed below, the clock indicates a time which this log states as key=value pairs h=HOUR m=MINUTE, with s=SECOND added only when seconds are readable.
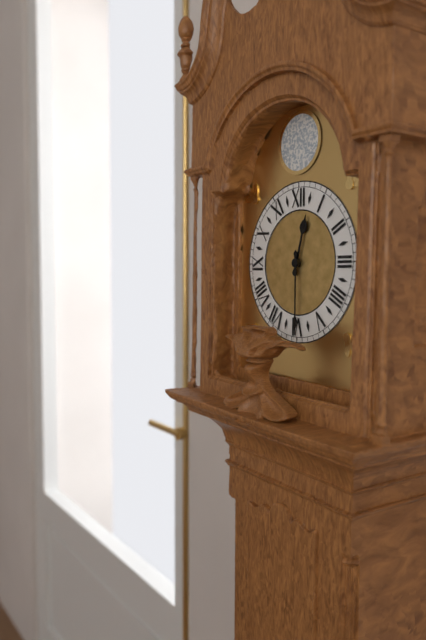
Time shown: h=12 m=30
